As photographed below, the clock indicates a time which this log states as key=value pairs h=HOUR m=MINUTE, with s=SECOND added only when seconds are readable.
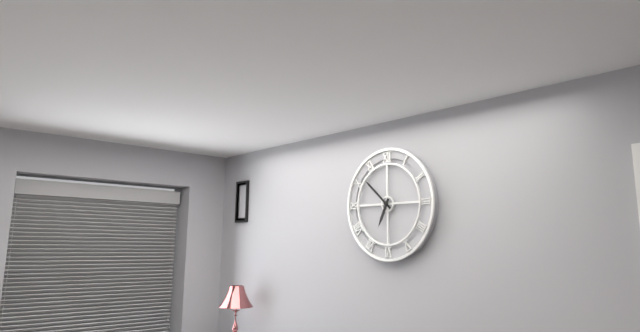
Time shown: h=6 m=52
